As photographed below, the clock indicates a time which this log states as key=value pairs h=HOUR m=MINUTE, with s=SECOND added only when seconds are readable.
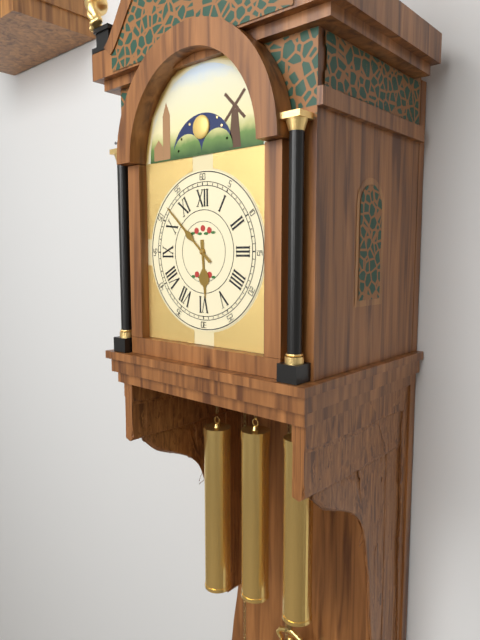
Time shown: h=5 m=52
